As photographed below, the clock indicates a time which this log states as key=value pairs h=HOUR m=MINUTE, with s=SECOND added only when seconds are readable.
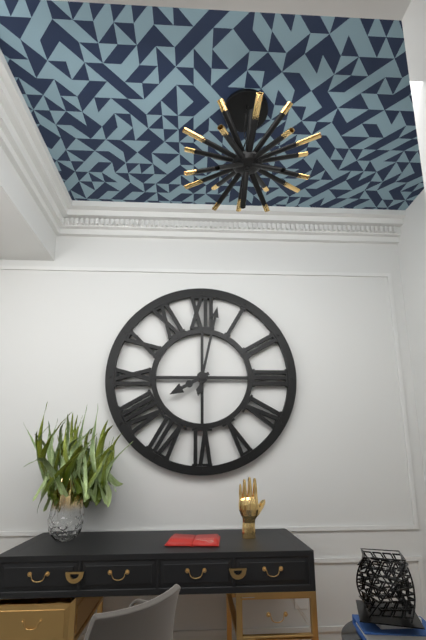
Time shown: h=8 m=2
